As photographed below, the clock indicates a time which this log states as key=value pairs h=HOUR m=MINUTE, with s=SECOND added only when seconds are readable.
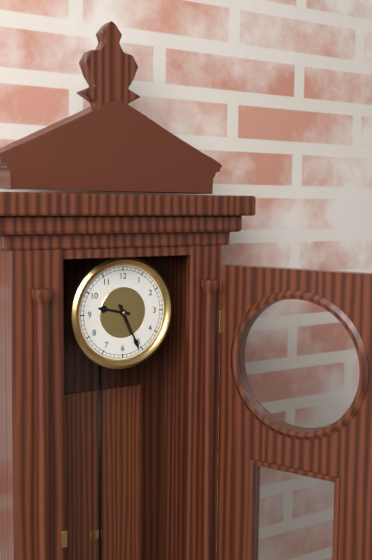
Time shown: h=9 m=26
